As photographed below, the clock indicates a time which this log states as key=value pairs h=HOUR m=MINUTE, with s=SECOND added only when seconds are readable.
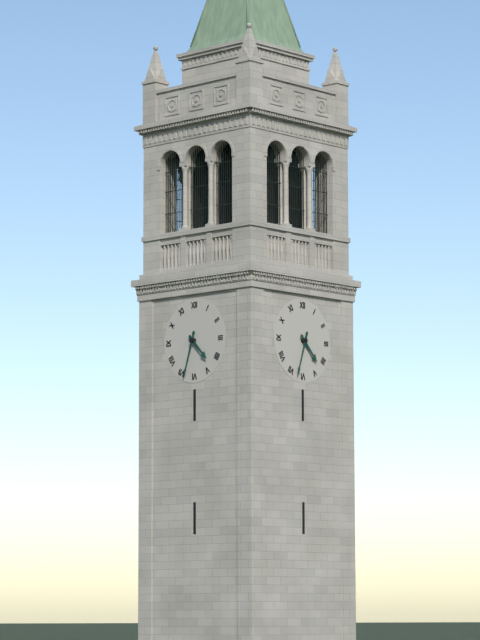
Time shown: h=4 m=33
